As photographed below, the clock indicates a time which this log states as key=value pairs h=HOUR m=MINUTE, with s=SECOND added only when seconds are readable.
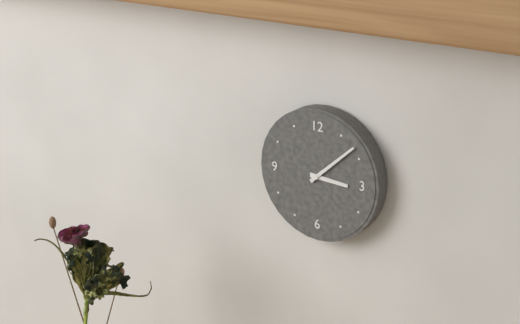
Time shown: h=3 m=8
